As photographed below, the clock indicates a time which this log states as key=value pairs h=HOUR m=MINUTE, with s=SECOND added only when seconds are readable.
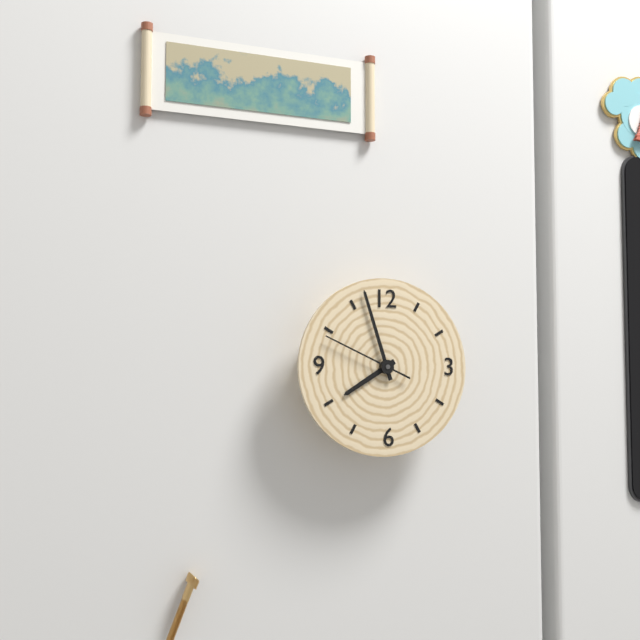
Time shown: h=7 m=57 s=49
